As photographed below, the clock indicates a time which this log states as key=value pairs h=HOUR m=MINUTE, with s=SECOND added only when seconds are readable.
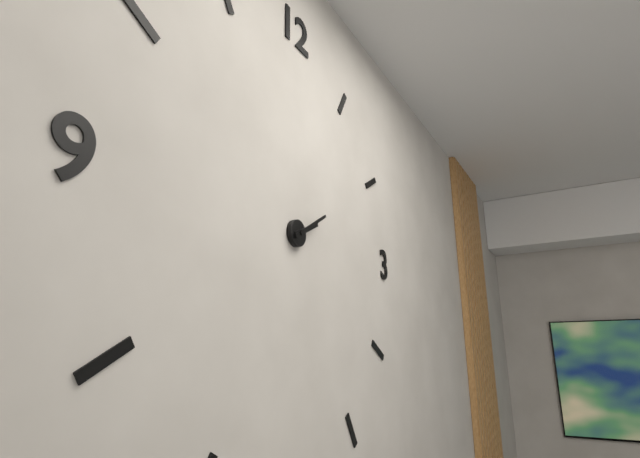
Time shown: h=2 m=10
